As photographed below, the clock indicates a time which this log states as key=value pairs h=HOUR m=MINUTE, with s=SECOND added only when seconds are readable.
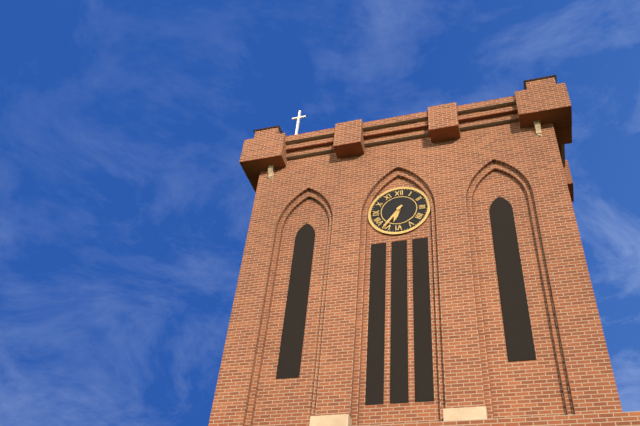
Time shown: h=6 m=36
